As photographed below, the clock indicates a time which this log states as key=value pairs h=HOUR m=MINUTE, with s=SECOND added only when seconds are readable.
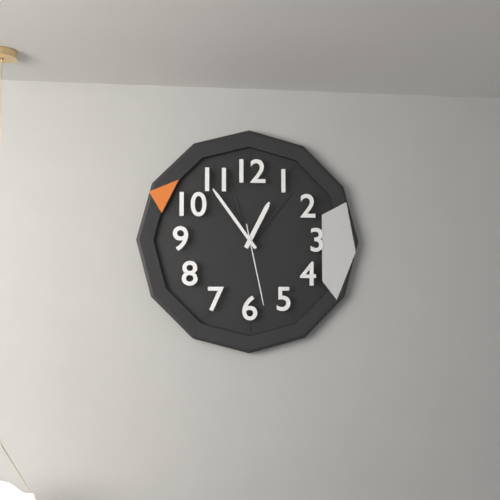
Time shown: h=12 m=54 s=28
